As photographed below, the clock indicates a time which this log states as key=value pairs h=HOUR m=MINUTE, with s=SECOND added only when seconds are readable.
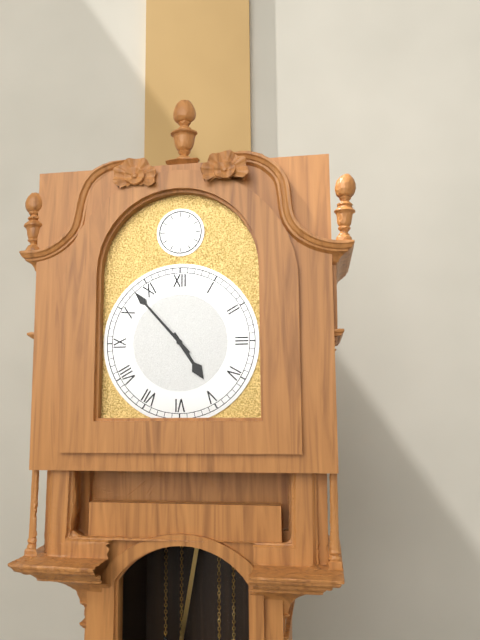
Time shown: h=4 m=53
